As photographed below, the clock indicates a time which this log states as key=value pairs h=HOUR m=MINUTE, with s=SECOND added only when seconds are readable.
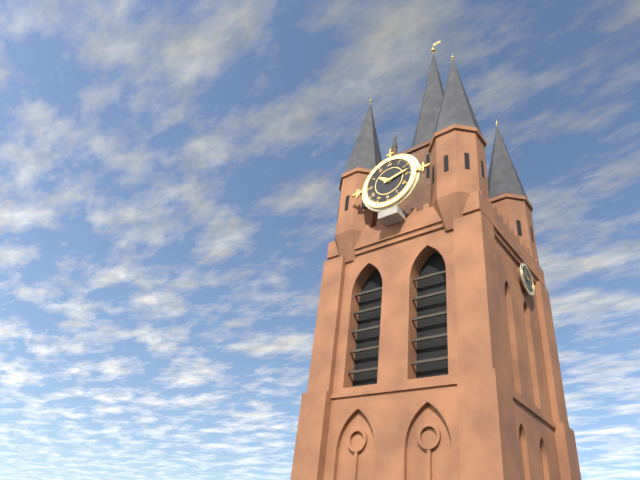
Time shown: h=10 m=13
